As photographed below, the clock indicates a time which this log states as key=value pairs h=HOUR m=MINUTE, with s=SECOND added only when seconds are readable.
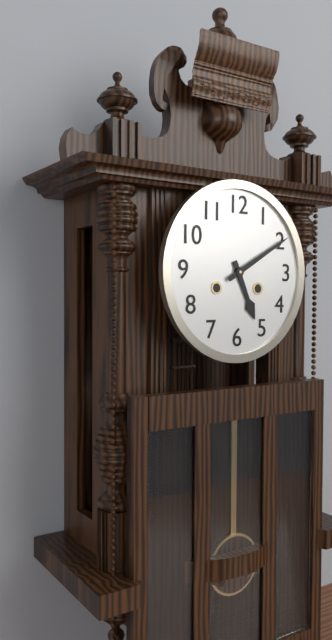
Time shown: h=5 m=10
